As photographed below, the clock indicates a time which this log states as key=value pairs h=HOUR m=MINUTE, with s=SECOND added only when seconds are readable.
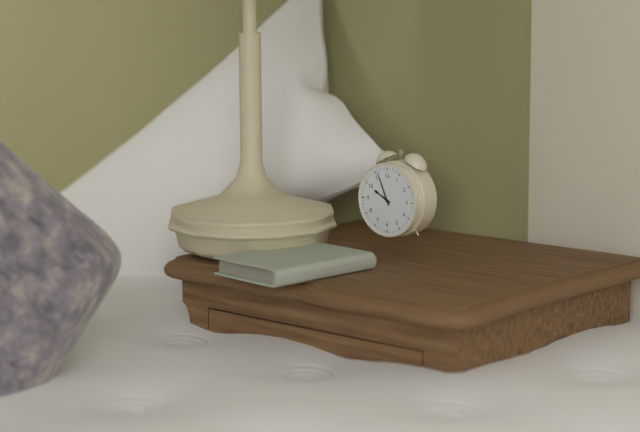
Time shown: h=9 m=56
